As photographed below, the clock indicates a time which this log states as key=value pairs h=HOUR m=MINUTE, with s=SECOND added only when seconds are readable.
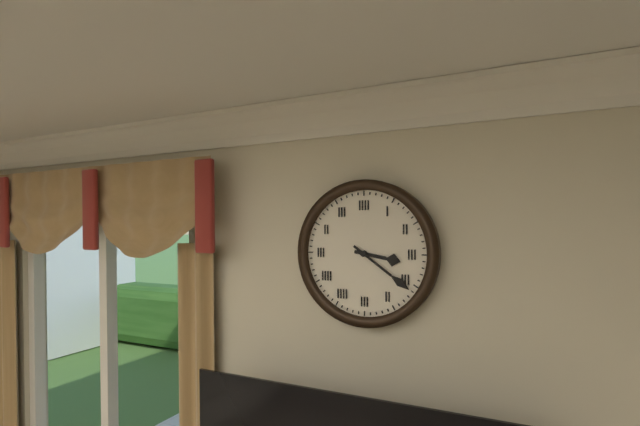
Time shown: h=3 m=21
